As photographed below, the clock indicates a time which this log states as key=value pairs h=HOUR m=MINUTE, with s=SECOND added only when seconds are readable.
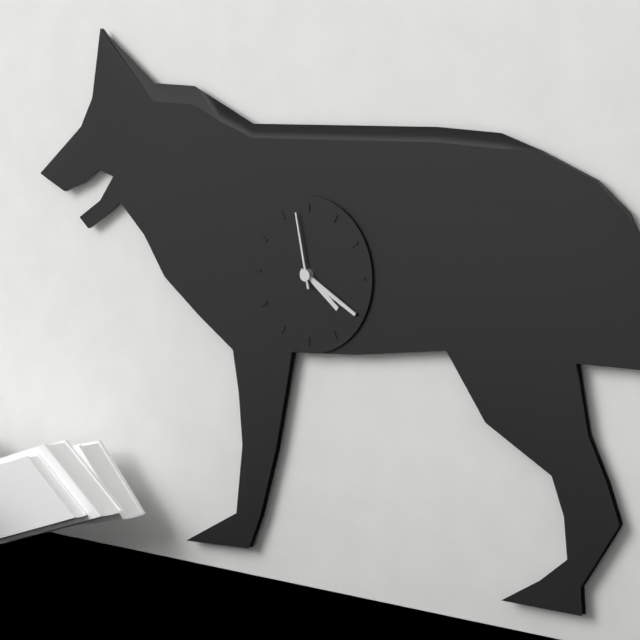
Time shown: h=4 m=20 s=58
